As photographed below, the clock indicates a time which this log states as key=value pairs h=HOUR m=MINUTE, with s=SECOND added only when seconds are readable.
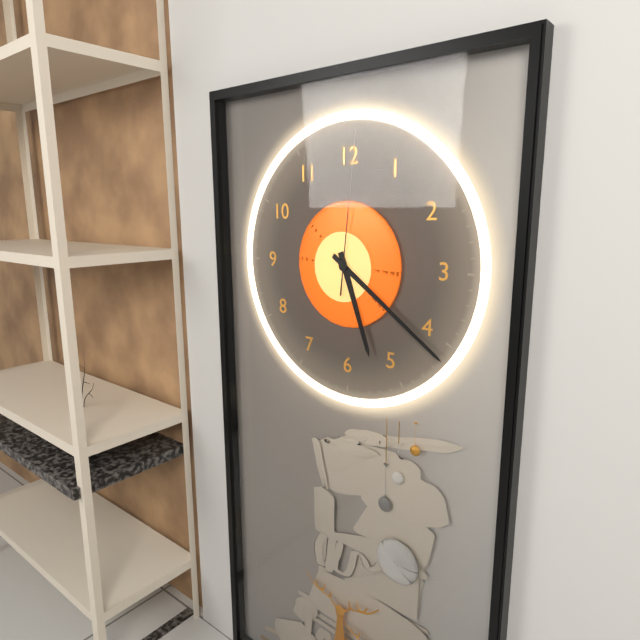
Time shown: h=5 m=21 s=1
